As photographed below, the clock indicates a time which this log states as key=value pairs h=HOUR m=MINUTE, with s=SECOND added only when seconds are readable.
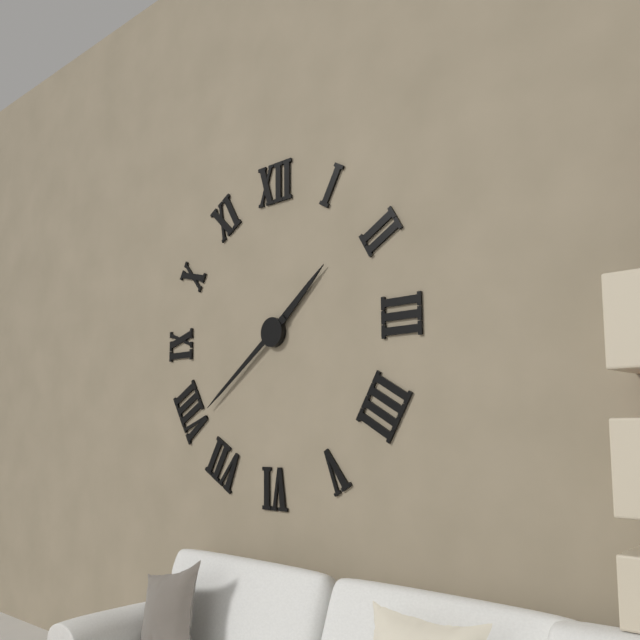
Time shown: h=1 m=39
